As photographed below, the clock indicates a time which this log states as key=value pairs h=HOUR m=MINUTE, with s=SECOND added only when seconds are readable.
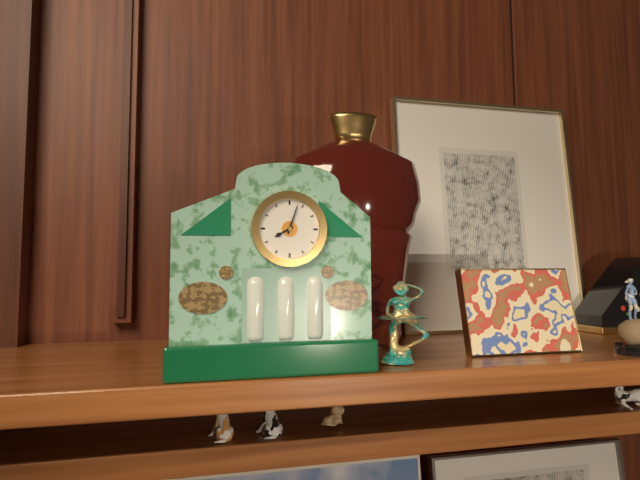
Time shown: h=8 m=3
